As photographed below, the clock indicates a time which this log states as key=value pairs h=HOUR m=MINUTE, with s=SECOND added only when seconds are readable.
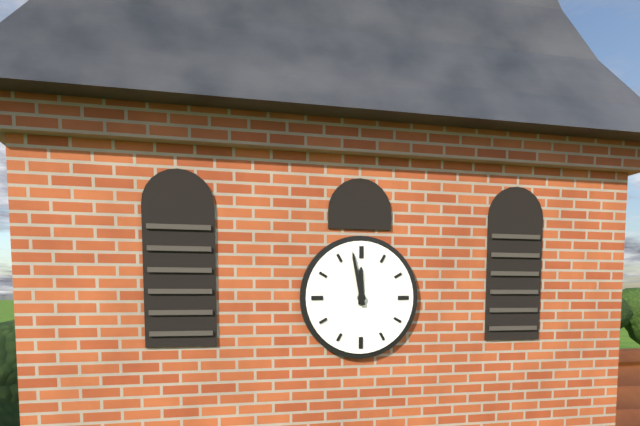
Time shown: h=11 m=58
